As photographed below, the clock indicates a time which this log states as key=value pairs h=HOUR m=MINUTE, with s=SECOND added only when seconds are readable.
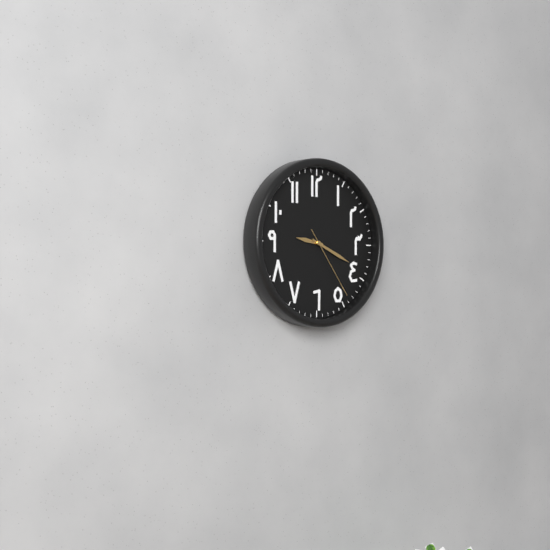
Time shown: h=9 m=19 s=24
